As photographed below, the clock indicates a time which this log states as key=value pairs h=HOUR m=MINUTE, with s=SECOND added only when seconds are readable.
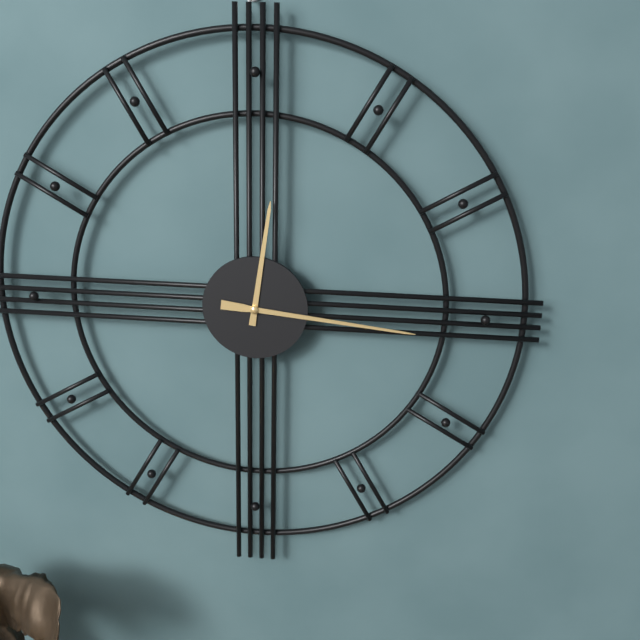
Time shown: h=12 m=16
